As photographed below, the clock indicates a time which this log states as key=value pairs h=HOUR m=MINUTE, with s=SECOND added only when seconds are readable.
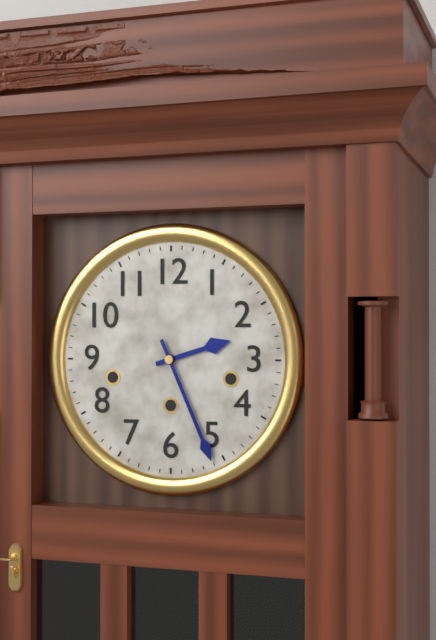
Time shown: h=2 m=26
